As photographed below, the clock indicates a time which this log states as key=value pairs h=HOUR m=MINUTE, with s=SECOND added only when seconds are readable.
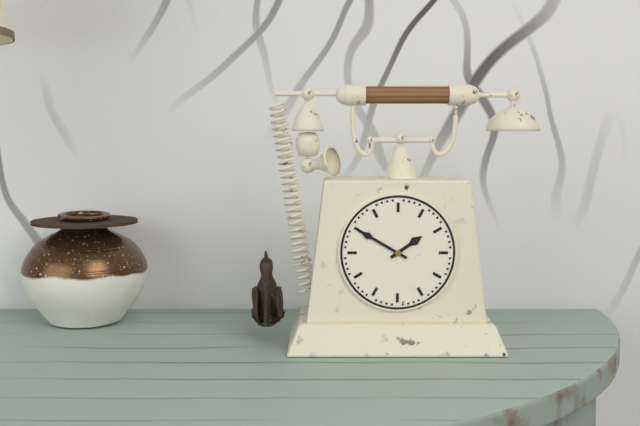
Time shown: h=1 m=50
